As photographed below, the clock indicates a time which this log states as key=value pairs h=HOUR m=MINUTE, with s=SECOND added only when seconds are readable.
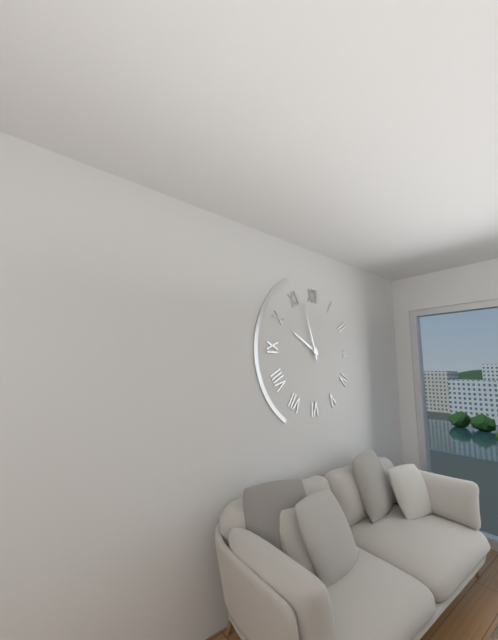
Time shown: h=9 m=57
